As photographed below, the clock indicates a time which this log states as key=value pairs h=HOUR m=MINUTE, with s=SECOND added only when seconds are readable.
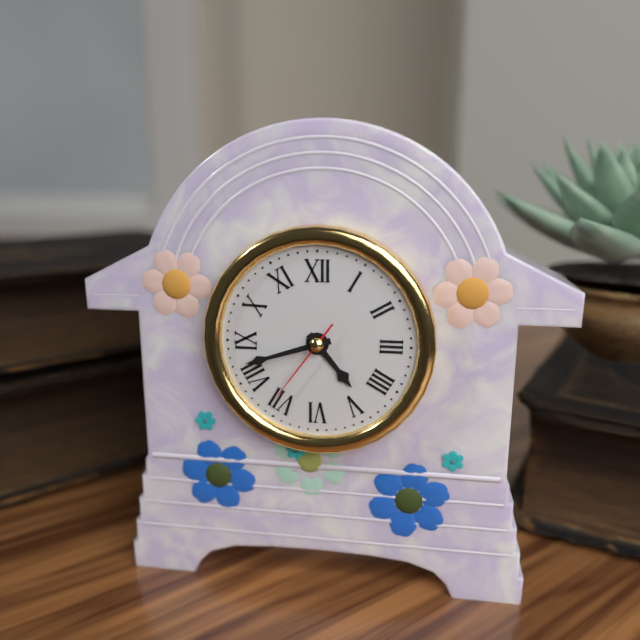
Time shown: h=4 m=42 s=36
